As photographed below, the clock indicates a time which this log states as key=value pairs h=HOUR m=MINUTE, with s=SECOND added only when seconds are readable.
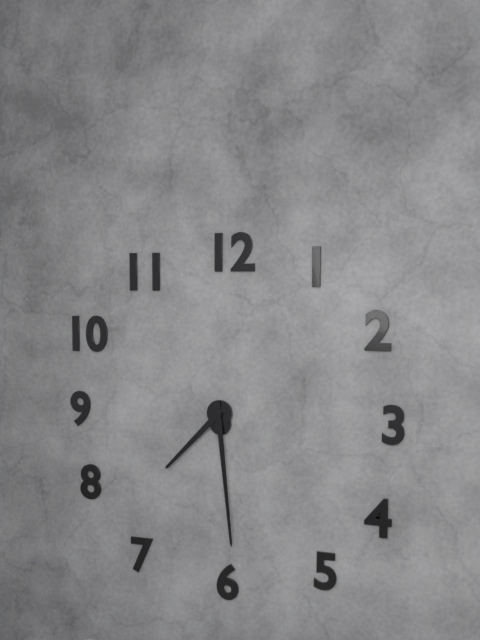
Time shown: h=7 m=29
